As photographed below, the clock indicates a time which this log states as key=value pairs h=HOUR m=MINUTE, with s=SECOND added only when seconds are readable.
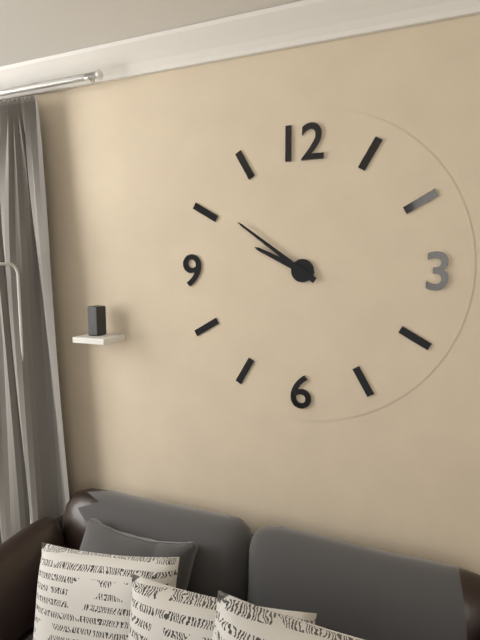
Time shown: h=9 m=51
